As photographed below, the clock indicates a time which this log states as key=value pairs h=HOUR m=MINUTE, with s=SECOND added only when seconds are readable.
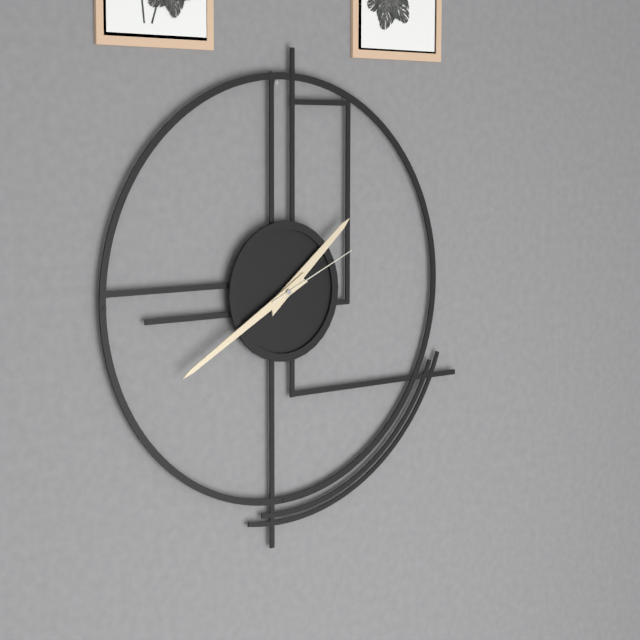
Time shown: h=1 m=40 s=11
